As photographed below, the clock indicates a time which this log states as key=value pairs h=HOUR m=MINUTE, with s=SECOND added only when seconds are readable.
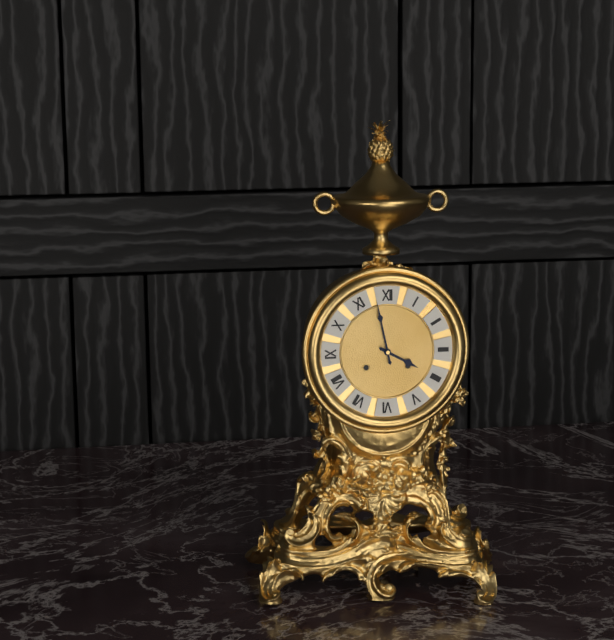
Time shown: h=3 m=58
